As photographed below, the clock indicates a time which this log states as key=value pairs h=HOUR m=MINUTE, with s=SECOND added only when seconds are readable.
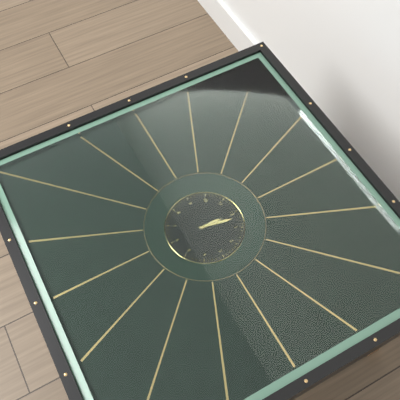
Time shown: h=12 m=2
